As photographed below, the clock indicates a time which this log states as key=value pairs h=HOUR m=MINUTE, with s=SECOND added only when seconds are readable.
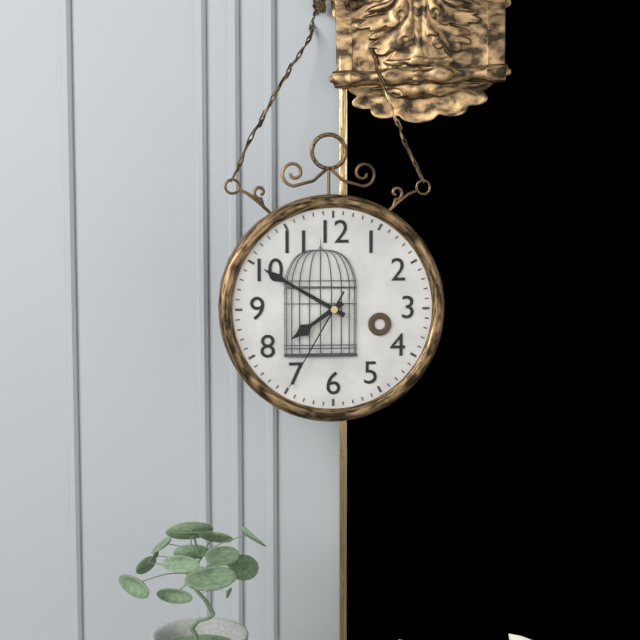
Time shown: h=7 m=50 s=35
